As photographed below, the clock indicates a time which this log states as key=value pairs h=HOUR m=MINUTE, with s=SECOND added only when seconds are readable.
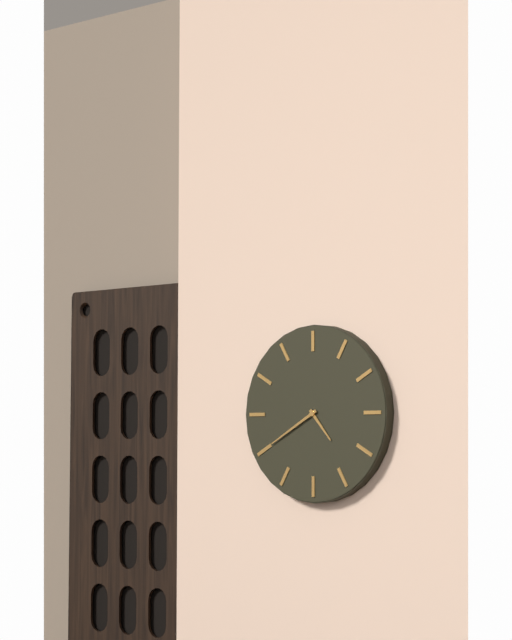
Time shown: h=4 m=40
